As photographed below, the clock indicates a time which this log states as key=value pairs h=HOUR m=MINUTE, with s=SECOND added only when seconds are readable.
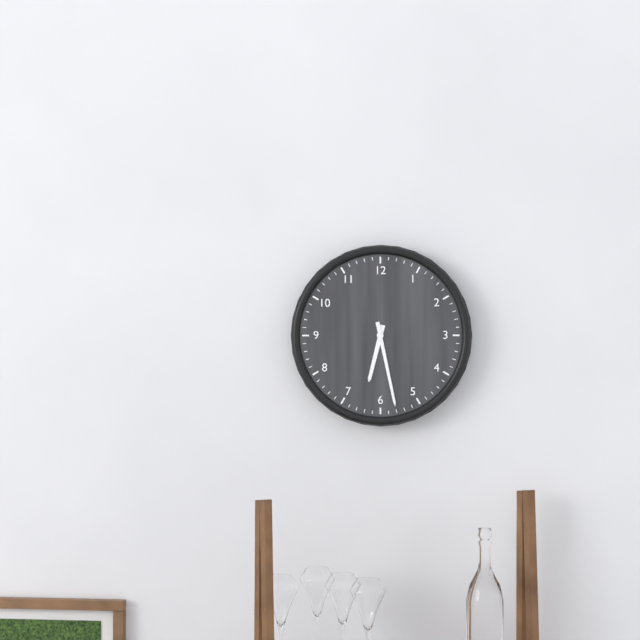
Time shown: h=6 m=28
